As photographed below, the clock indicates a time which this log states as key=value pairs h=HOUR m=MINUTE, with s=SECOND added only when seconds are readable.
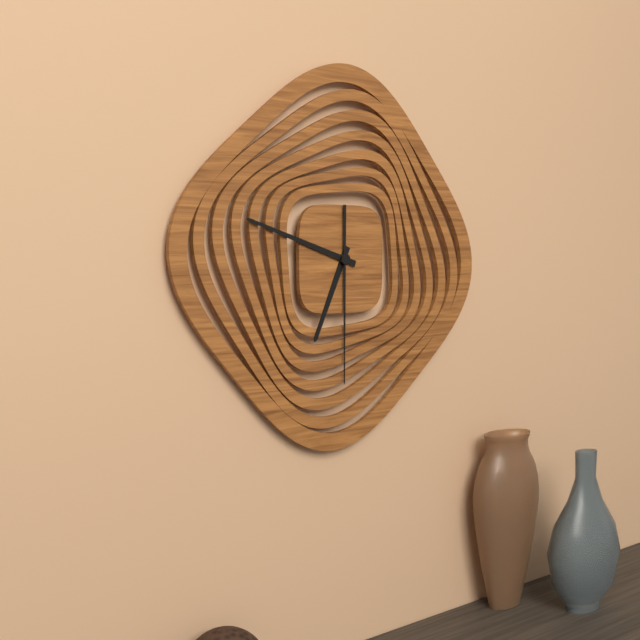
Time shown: h=6 m=48 s=30
